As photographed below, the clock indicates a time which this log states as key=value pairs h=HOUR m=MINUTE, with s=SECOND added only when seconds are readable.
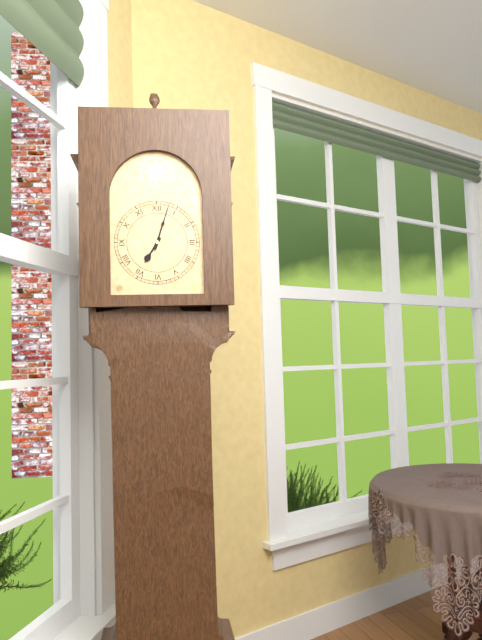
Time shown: h=7 m=3
